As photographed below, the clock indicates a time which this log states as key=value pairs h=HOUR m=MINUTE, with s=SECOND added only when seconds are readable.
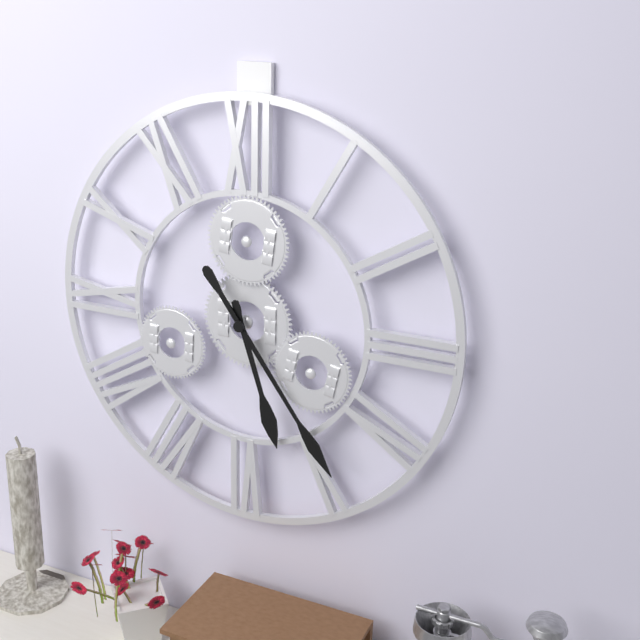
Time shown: h=5 m=24
